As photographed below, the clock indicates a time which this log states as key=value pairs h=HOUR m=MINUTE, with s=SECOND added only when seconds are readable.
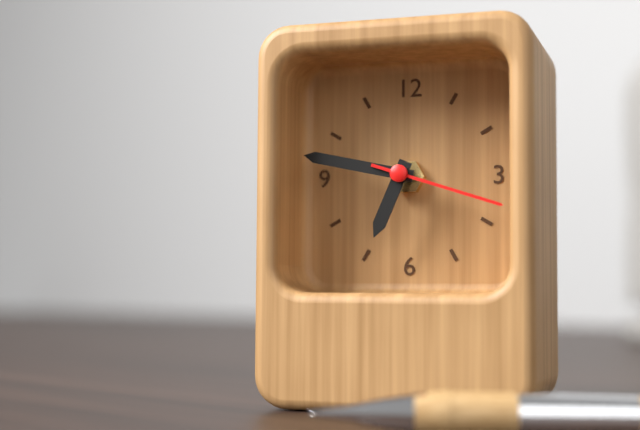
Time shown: h=6 m=47 s=18
